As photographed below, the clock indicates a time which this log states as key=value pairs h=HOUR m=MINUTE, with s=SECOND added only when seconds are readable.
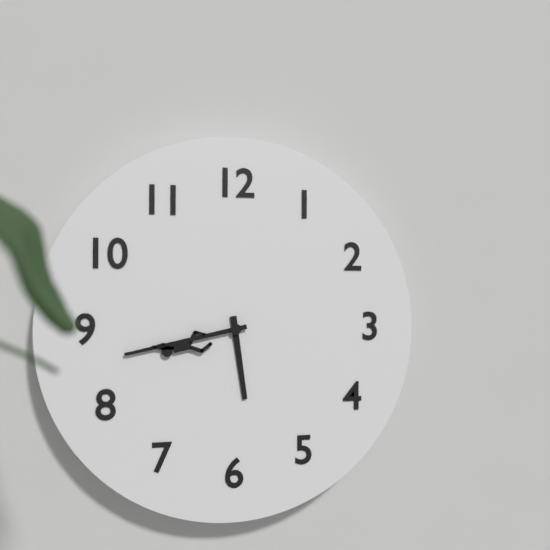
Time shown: h=5 m=43
